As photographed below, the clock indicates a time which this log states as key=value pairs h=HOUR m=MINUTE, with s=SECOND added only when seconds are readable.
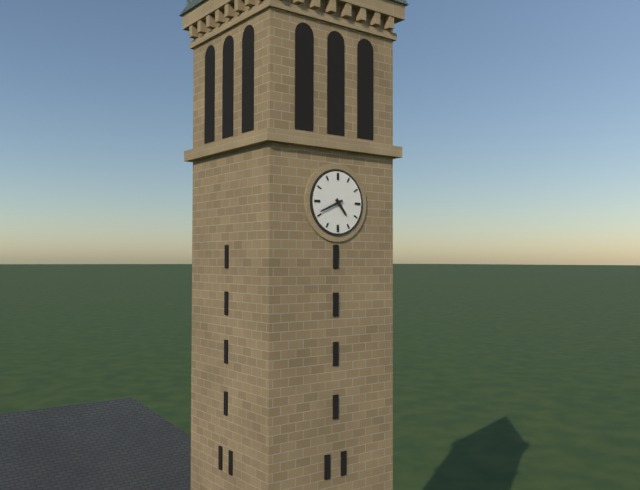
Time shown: h=4 m=41
